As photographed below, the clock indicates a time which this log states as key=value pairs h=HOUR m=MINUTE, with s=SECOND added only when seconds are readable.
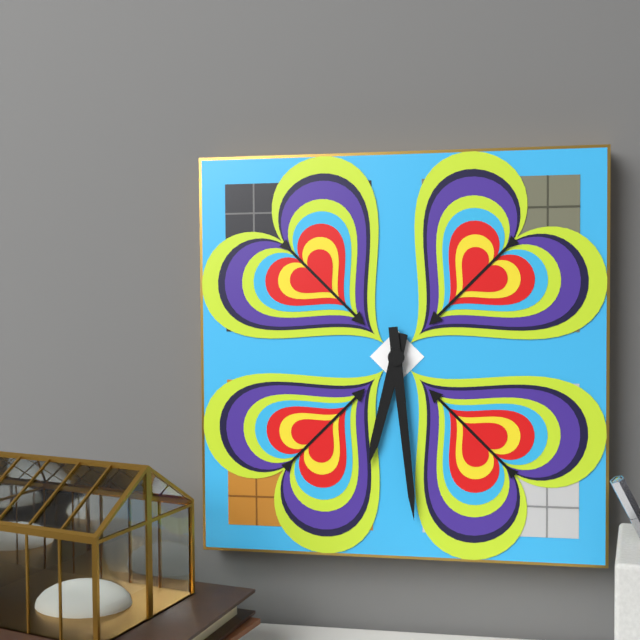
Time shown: h=6 m=29
